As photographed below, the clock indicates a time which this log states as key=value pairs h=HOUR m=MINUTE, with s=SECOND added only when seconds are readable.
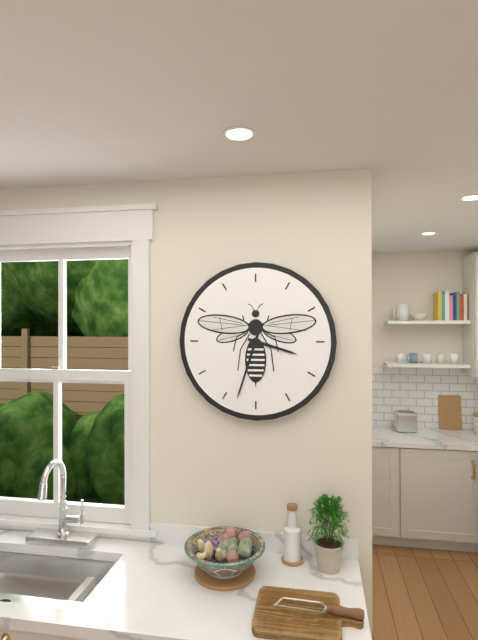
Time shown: h=3 m=33
